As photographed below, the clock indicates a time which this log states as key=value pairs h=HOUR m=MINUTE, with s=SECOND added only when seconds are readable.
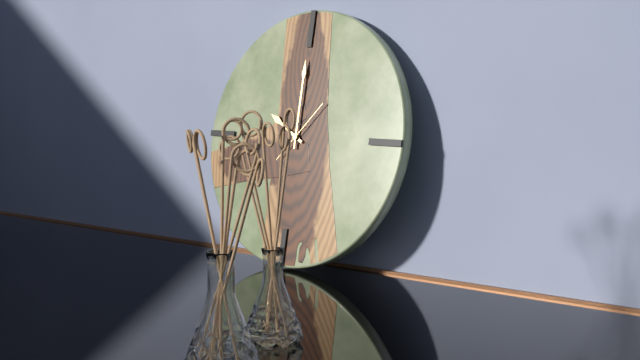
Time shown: h=10 m=0
